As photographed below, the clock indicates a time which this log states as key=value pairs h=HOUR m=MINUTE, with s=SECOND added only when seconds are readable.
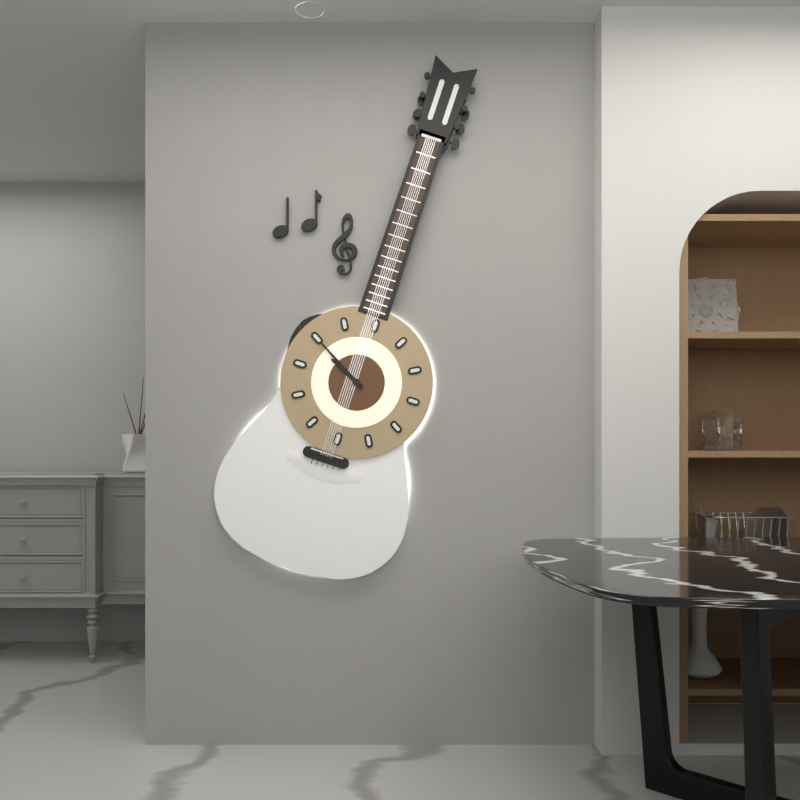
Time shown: h=9 m=50
